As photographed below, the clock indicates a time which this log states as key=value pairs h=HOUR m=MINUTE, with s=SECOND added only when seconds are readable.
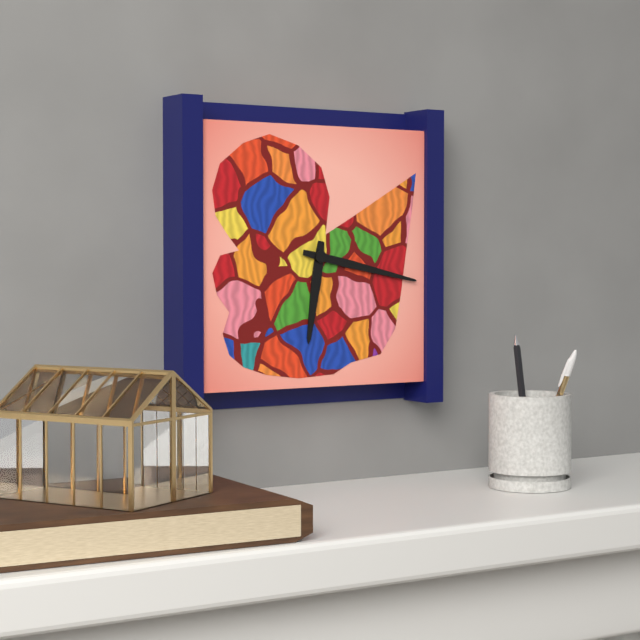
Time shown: h=6 m=17
